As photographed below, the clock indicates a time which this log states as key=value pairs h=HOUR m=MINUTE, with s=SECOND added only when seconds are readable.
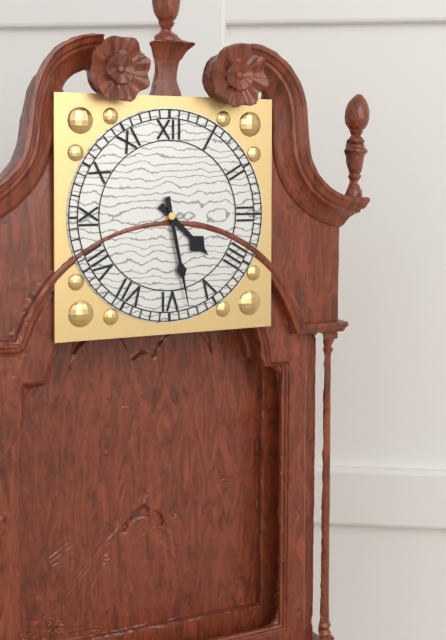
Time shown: h=4 m=28
